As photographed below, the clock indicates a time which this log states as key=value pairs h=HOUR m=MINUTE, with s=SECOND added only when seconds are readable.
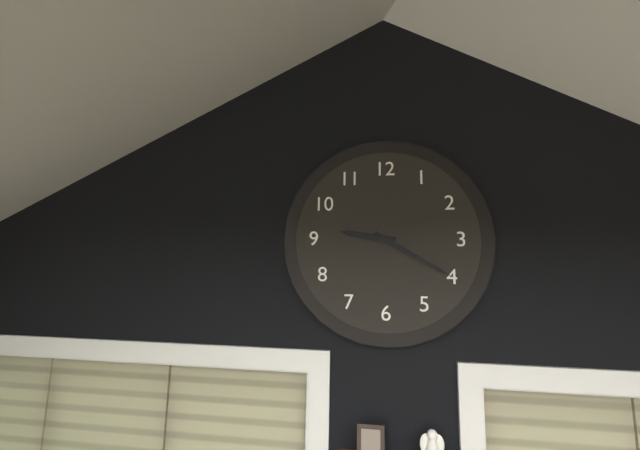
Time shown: h=9 m=20
